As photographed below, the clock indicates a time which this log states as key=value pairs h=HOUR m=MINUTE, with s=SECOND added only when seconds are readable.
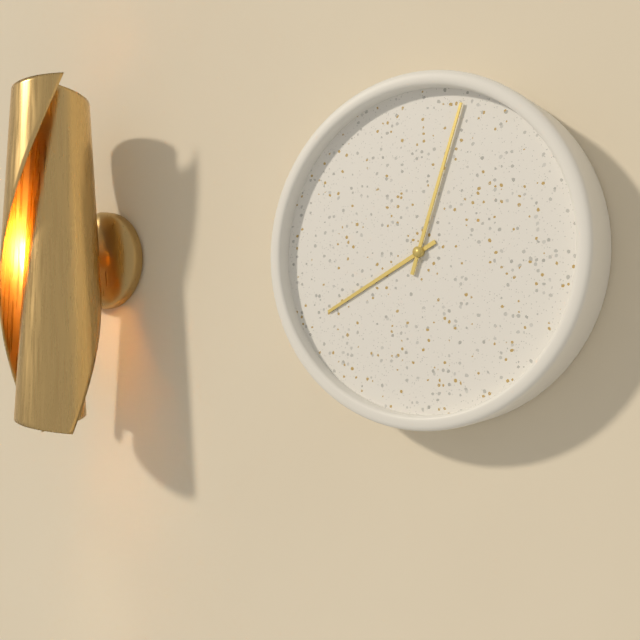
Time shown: h=8 m=3
